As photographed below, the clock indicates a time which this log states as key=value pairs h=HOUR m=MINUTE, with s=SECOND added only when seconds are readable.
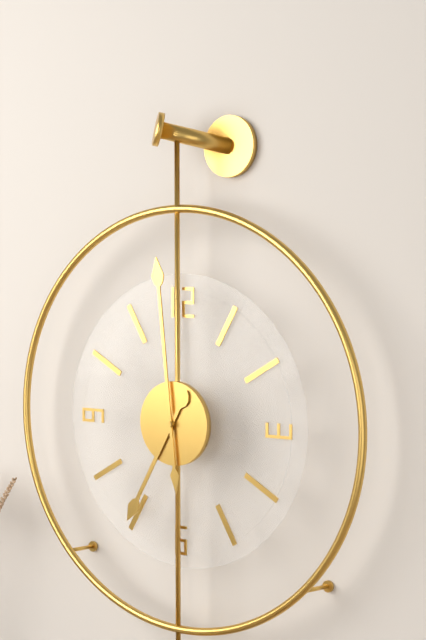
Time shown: h=6 m=59
